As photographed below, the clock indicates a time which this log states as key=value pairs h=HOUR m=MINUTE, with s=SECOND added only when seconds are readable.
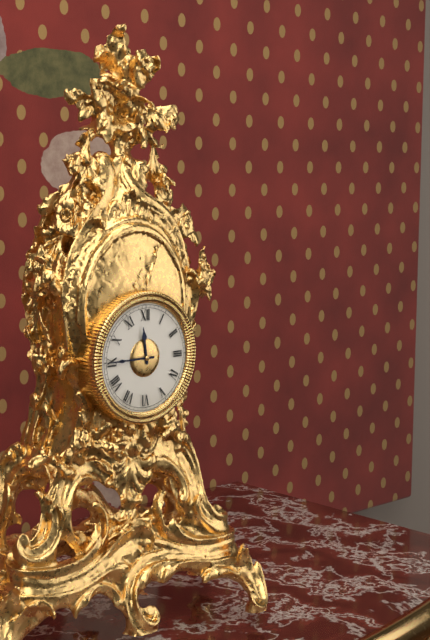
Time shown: h=11 m=45
